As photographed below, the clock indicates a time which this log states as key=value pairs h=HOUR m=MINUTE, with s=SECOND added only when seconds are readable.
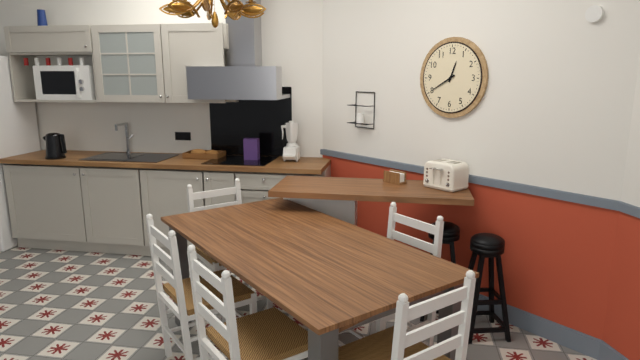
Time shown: h=12 m=40
